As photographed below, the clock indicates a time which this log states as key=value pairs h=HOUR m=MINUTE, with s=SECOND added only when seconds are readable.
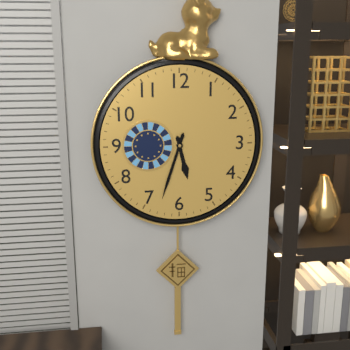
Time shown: h=5 m=33
